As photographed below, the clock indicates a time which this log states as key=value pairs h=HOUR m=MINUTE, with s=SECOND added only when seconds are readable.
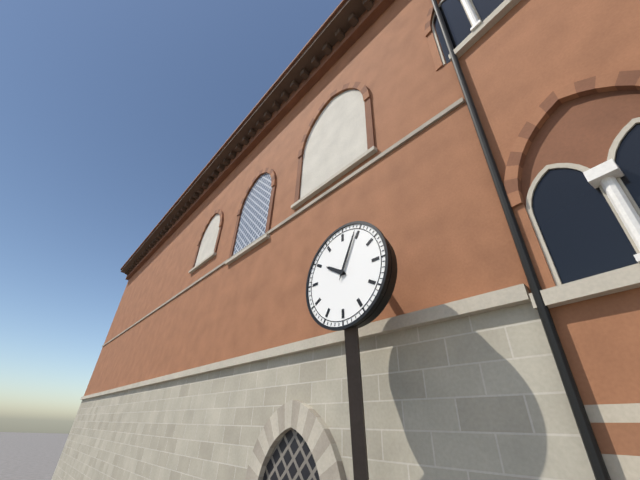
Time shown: h=10 m=4
